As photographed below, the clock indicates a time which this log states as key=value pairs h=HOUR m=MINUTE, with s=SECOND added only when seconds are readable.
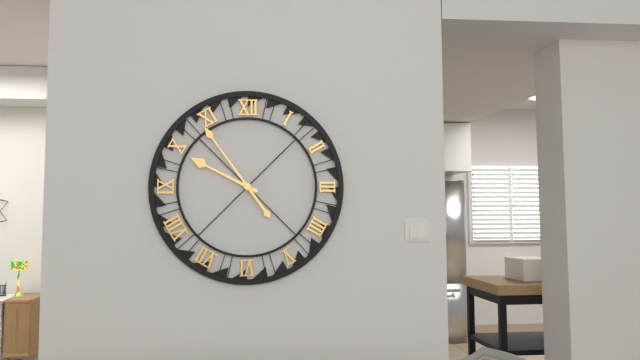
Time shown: h=9 m=54
